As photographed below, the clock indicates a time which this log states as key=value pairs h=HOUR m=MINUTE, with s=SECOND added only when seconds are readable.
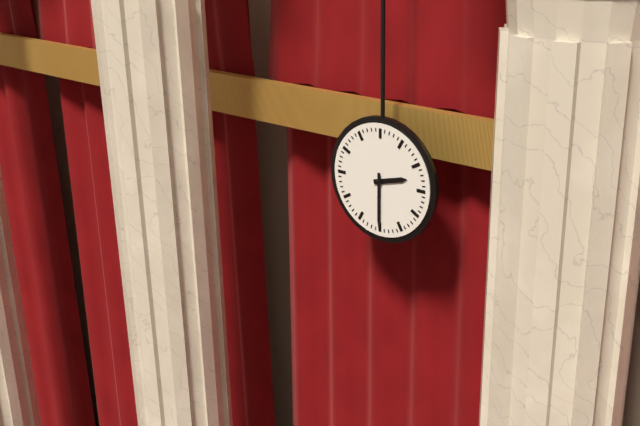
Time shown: h=2 m=30
